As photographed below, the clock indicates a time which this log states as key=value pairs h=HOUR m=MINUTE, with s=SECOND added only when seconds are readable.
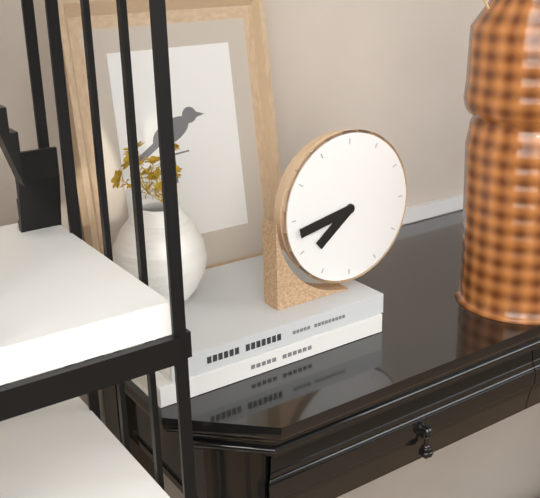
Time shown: h=7 m=43
